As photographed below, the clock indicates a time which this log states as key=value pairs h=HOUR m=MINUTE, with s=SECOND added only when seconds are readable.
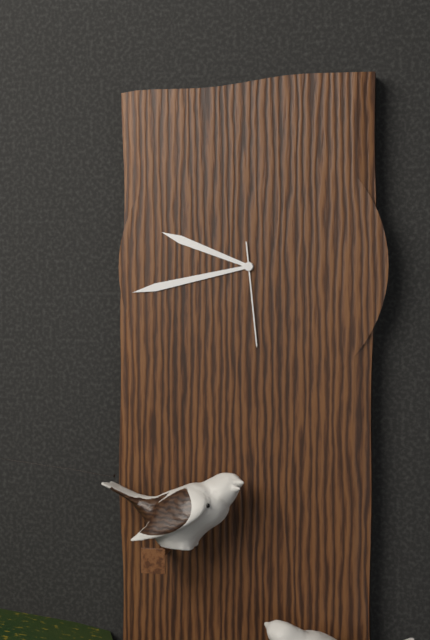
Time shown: h=9 m=43 s=29
